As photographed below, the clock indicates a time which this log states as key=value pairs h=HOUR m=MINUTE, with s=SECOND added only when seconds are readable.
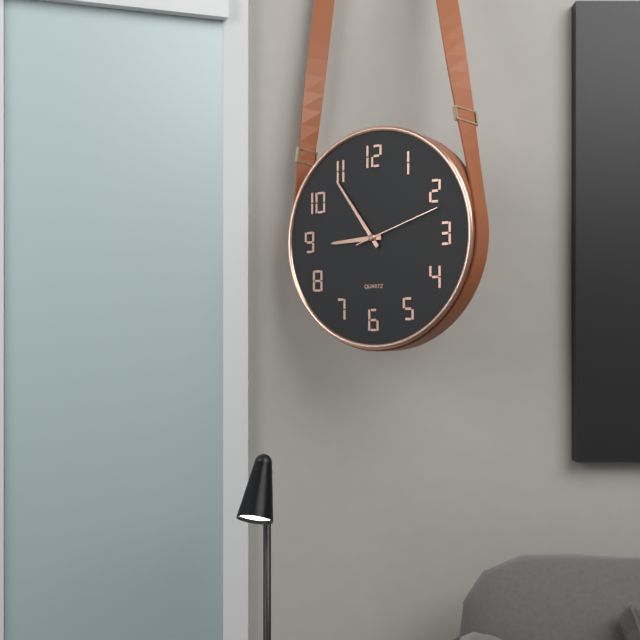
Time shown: h=8 m=54 s=12
